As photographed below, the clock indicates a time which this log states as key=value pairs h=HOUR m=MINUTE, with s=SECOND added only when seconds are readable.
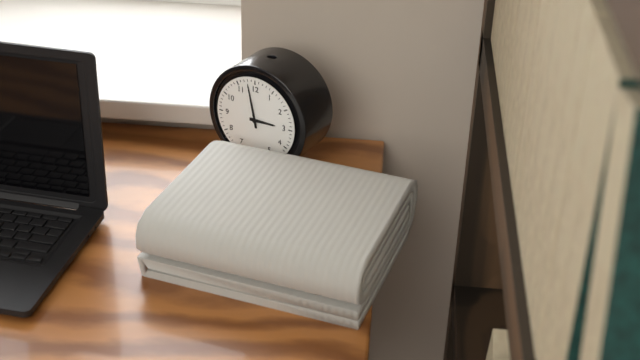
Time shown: h=2 m=58
